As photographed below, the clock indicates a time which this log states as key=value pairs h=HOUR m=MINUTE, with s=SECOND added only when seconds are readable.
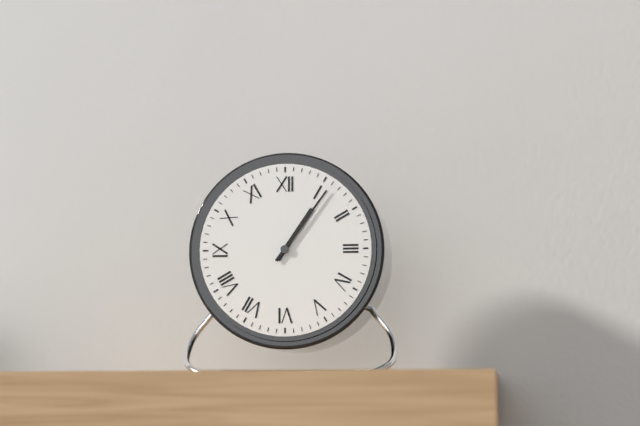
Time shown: h=1 m=6
